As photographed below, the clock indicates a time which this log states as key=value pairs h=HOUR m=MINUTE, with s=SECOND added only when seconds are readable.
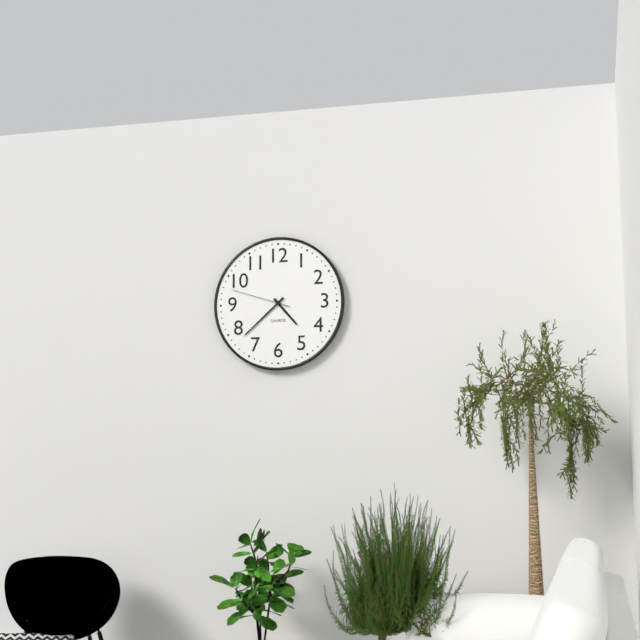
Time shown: h=4 m=38 s=48
